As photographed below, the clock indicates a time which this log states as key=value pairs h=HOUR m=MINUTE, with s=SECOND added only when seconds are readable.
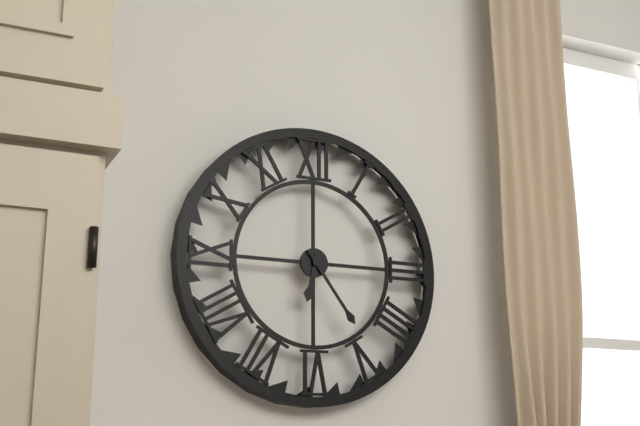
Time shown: h=6 m=24
